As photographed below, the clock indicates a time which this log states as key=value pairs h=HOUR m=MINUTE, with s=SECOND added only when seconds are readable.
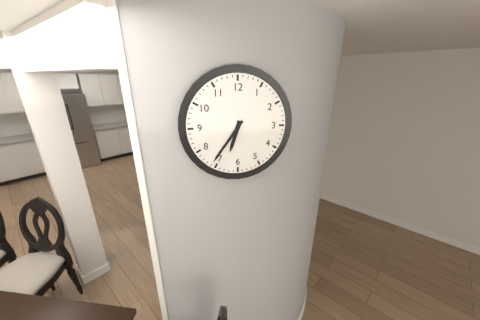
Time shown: h=6 m=36
